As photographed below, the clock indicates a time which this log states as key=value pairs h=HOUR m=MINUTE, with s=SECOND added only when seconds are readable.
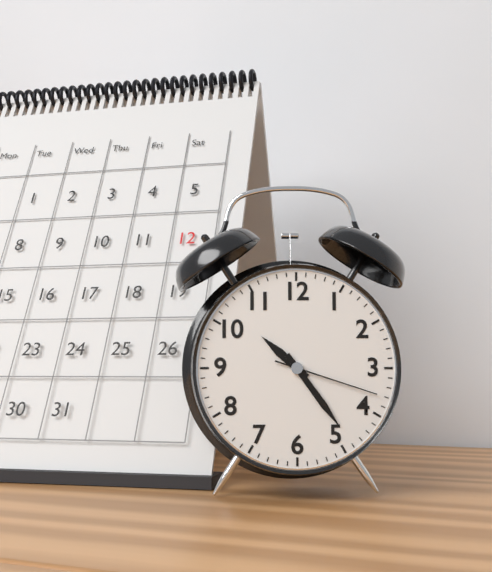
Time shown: h=10 m=24 s=18
